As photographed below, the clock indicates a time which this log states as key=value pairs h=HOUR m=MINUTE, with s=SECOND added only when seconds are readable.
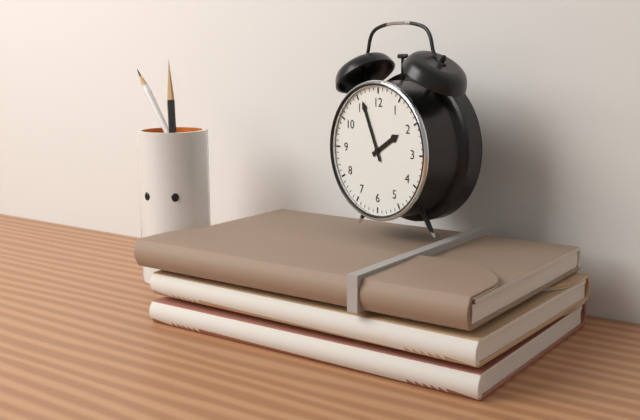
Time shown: h=1 m=56
